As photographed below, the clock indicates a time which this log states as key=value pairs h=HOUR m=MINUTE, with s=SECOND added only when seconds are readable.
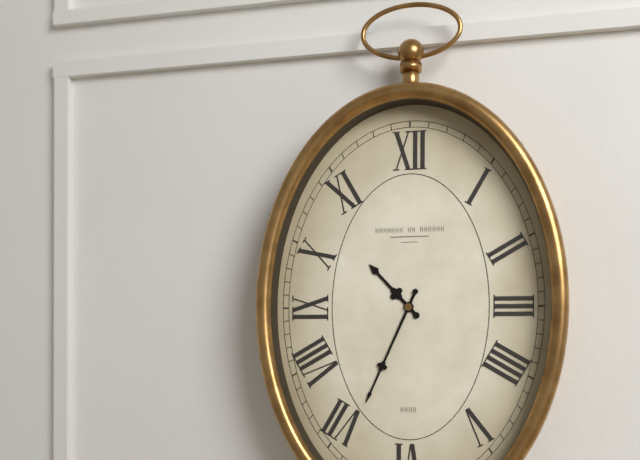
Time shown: h=10 m=34
